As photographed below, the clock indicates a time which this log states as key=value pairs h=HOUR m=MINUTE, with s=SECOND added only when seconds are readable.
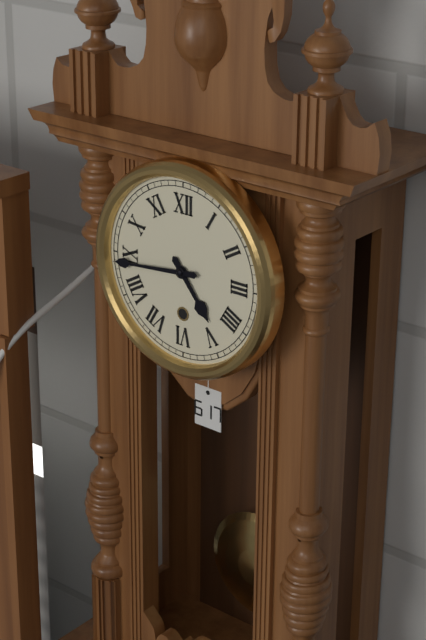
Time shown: h=4 m=44
